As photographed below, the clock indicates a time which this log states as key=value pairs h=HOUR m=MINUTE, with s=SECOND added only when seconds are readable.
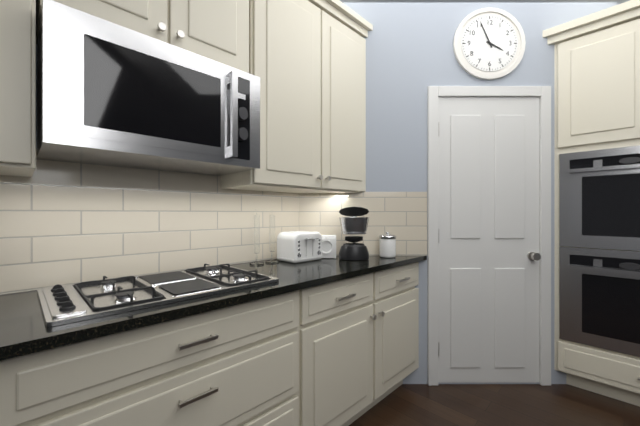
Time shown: h=3 m=56
